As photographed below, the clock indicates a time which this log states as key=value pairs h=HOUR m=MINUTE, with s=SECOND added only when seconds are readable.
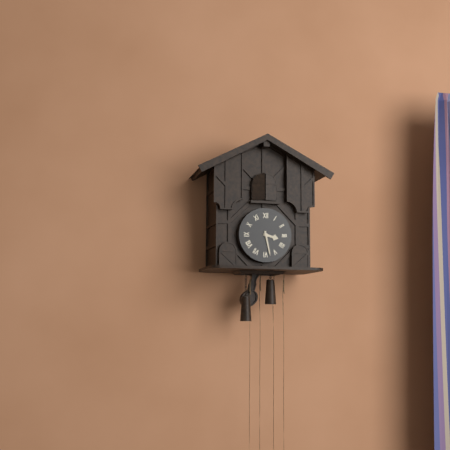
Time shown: h=3 m=28
